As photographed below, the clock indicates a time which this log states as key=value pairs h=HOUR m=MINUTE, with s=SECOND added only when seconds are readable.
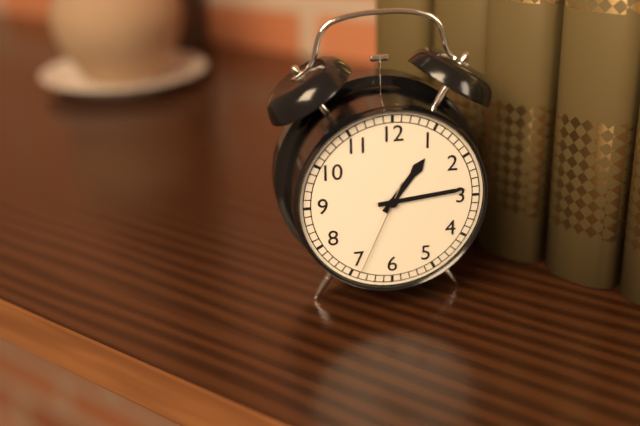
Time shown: h=1 m=14 s=34
